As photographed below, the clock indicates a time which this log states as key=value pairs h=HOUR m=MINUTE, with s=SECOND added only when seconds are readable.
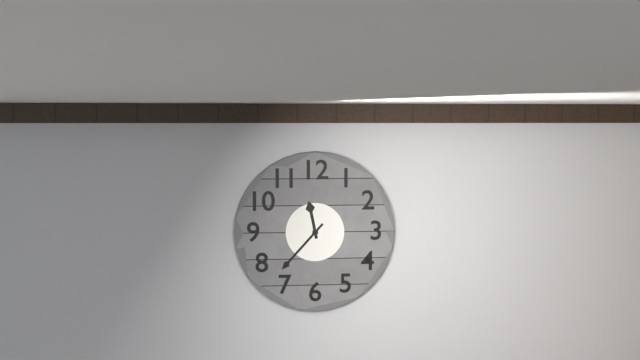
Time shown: h=11 m=37
